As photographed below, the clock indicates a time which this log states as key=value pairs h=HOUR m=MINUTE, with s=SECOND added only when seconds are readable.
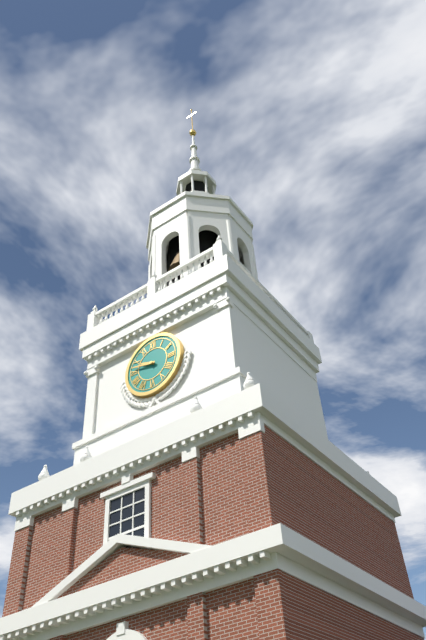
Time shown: h=9 m=47
